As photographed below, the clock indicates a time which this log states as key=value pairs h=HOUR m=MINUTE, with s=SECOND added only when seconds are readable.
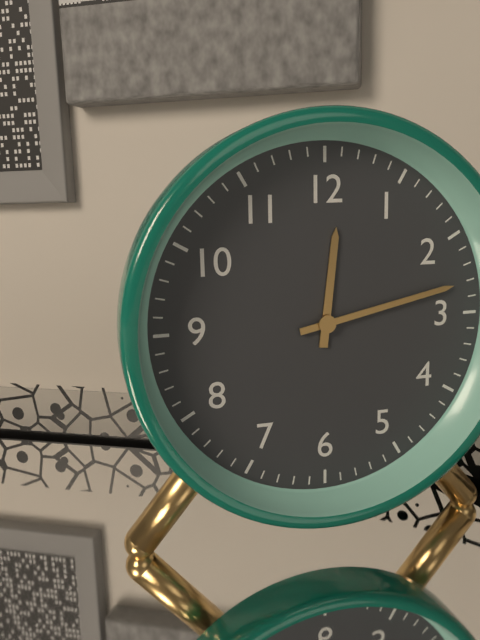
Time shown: h=12 m=13
